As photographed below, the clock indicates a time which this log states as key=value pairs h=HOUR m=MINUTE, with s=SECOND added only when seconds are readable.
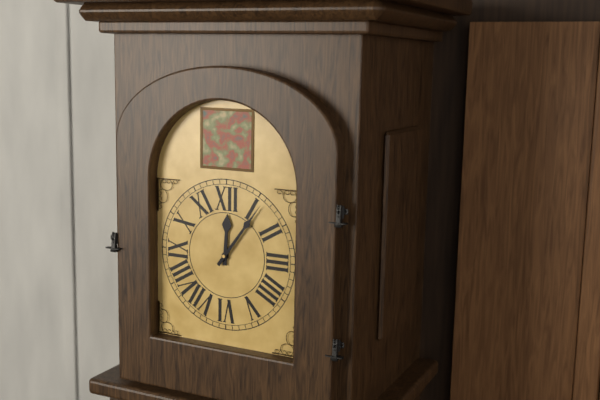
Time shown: h=12 m=6
